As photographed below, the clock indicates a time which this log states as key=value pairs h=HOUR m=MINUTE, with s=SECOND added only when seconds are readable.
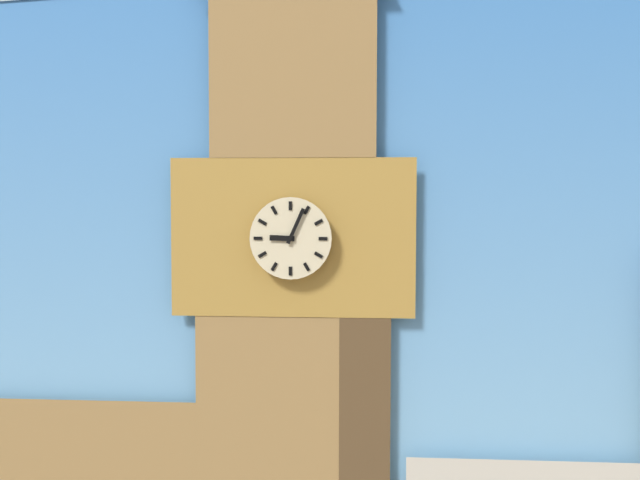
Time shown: h=9 m=4
